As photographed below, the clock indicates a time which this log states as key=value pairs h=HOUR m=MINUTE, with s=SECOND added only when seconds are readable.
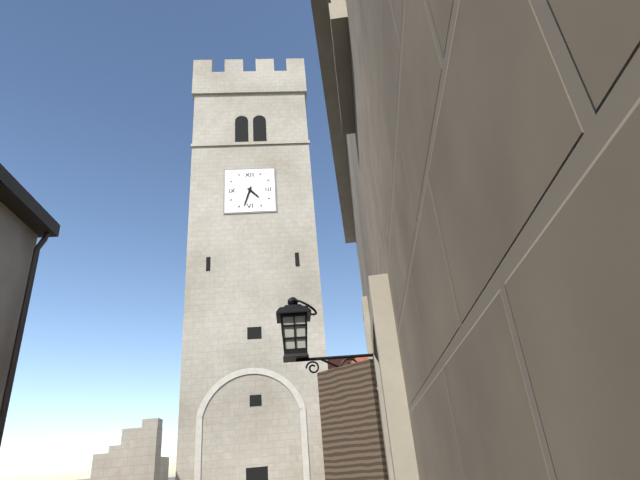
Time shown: h=4 m=33
